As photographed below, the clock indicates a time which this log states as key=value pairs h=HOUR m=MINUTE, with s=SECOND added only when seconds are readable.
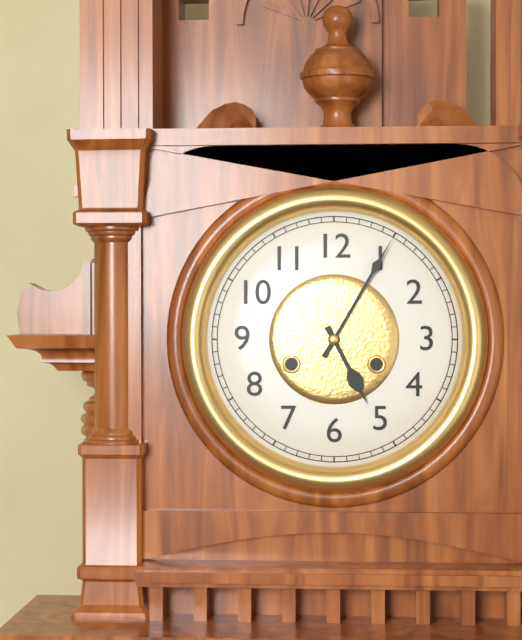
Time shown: h=5 m=5
